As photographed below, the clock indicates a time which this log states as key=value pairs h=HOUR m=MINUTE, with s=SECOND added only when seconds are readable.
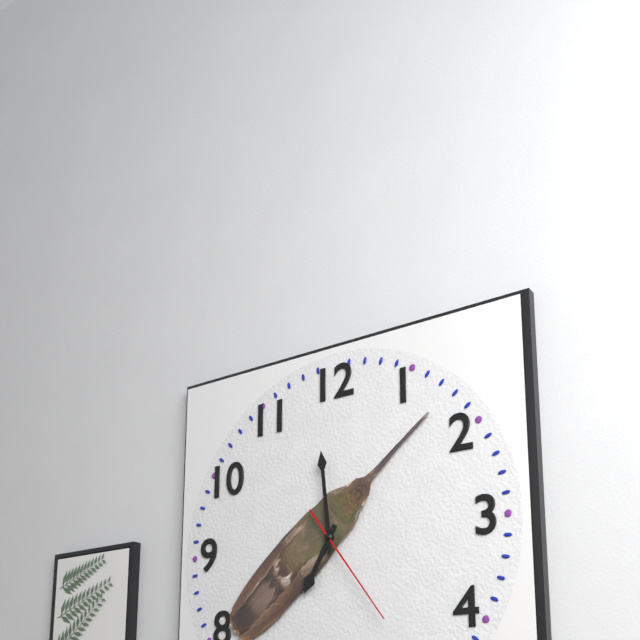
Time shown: h=6 m=59 s=24
